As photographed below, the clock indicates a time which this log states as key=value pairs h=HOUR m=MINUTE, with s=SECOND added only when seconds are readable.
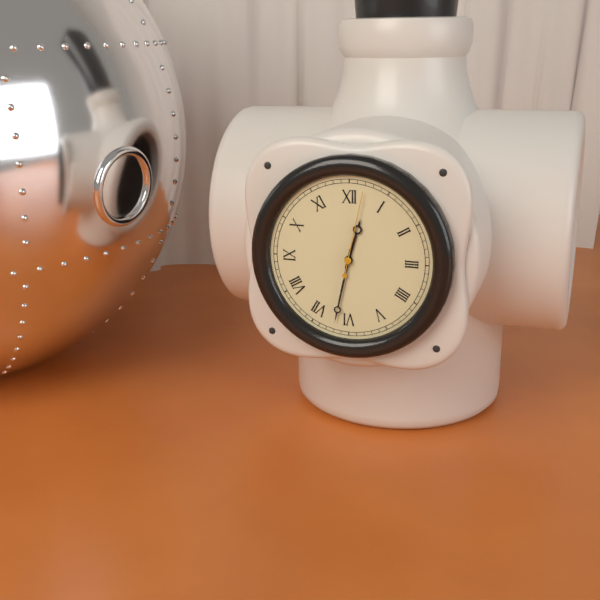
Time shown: h=12 m=32 s=2
